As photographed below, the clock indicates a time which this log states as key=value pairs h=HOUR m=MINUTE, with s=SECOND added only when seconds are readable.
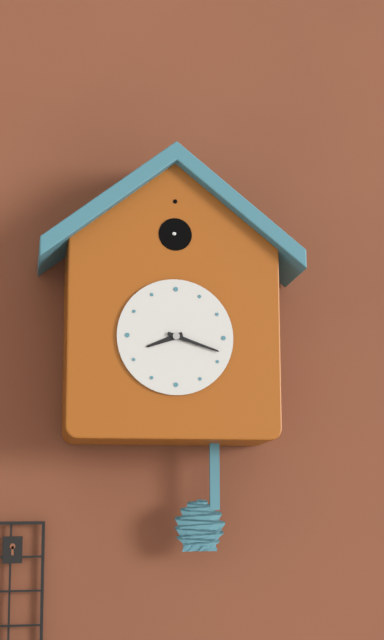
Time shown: h=8 m=18
